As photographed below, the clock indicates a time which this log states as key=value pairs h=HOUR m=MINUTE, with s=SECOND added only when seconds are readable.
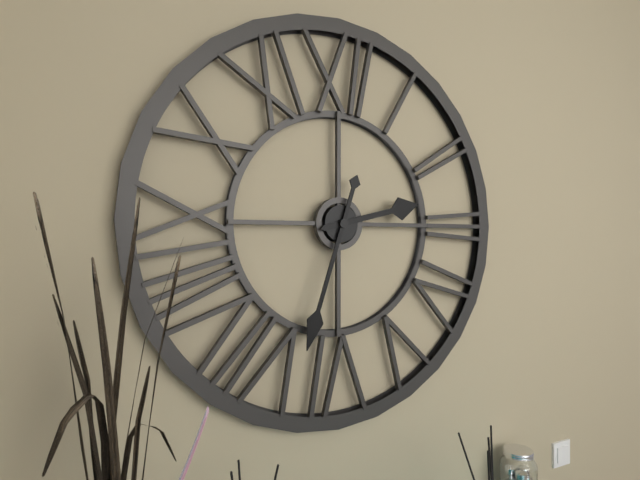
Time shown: h=2 m=33
